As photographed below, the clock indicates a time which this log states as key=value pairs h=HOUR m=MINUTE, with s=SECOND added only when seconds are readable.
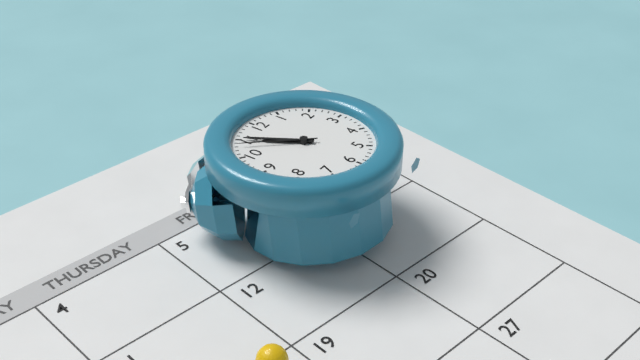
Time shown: h=10 m=55 s=53
